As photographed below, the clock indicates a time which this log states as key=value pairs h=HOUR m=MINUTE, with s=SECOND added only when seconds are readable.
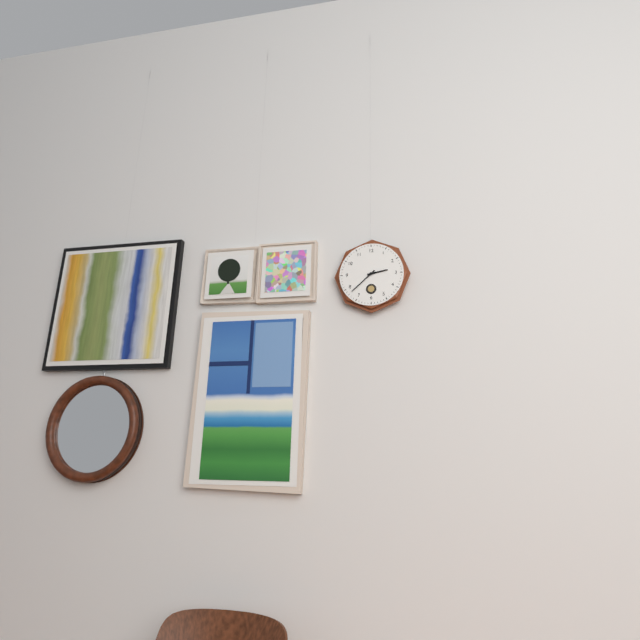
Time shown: h=2 m=38
